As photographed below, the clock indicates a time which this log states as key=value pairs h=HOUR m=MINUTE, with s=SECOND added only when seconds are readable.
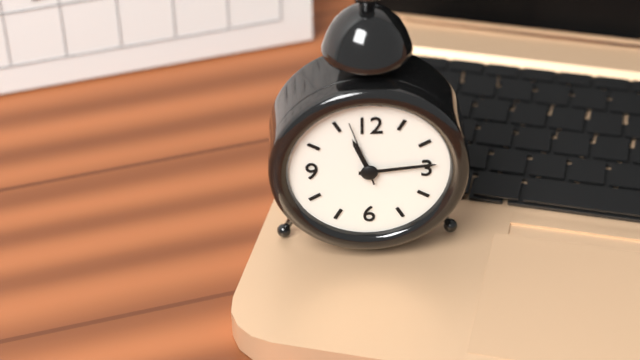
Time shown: h=11 m=14
